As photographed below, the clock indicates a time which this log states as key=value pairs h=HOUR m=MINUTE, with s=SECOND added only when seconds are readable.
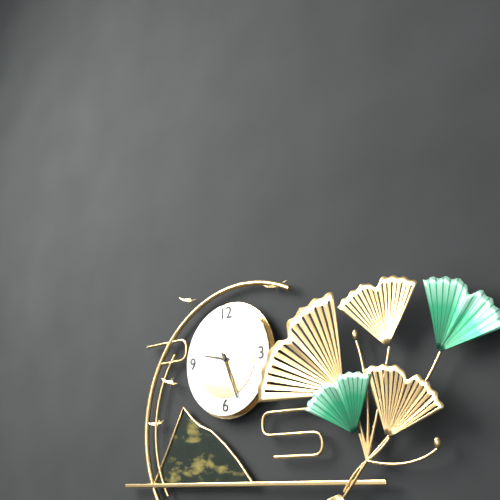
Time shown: h=9 m=26
